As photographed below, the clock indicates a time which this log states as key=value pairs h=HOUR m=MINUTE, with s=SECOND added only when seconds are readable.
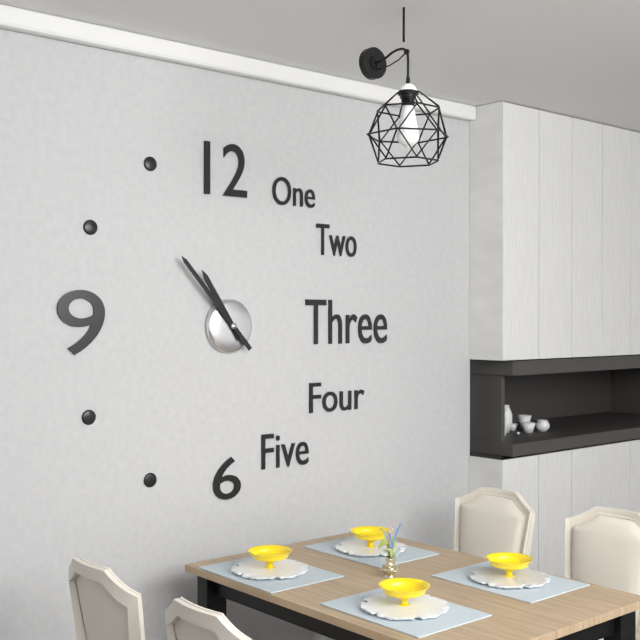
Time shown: h=10 m=53
